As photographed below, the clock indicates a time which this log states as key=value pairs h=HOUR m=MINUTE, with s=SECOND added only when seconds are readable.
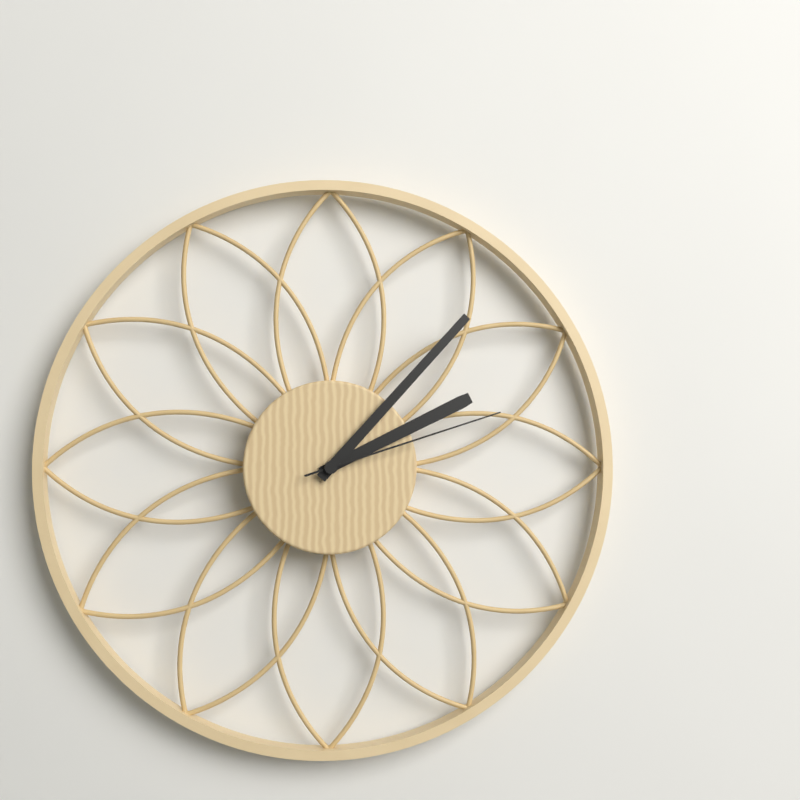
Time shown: h=2 m=7 s=12
